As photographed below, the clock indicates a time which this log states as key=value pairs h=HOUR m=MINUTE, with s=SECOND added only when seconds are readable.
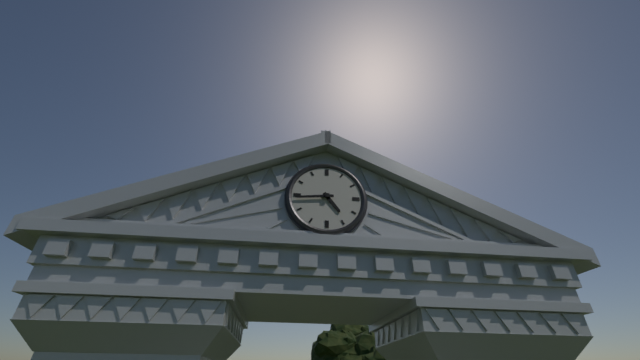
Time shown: h=4 m=44
